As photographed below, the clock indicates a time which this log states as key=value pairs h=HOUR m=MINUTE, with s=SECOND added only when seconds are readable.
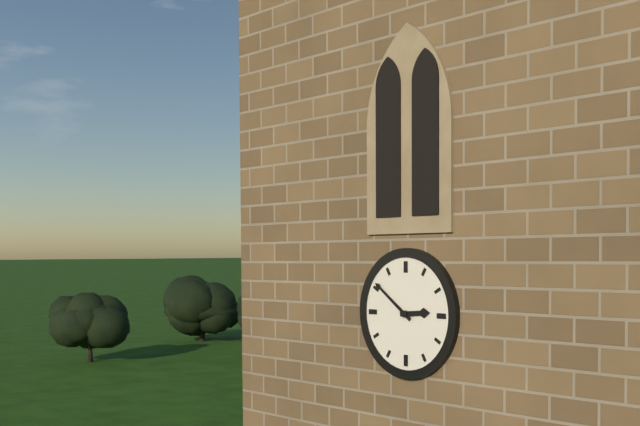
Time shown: h=2 m=51
